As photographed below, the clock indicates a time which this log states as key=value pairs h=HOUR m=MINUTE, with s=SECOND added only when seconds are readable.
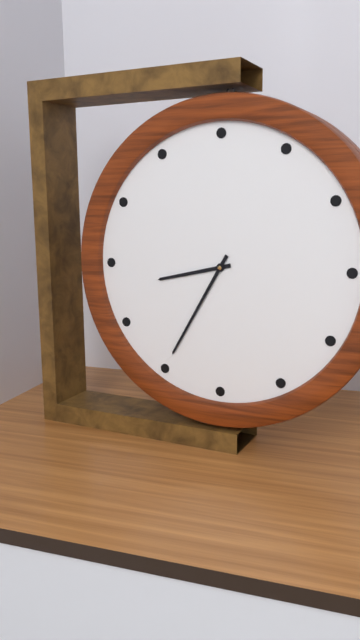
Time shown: h=8 m=35
